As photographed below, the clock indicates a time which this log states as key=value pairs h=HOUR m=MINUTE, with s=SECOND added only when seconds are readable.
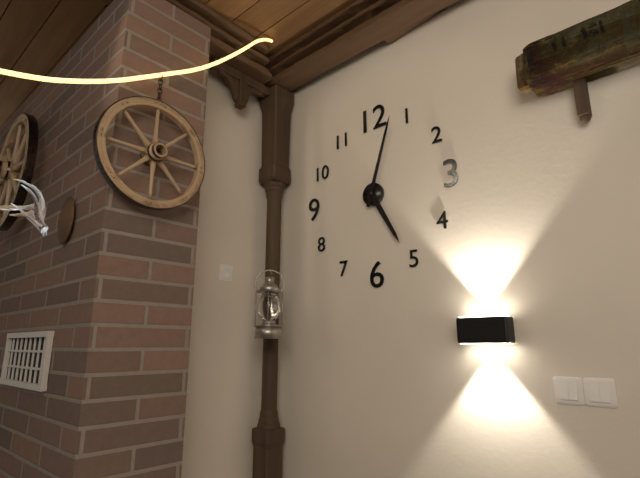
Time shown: h=5 m=3
